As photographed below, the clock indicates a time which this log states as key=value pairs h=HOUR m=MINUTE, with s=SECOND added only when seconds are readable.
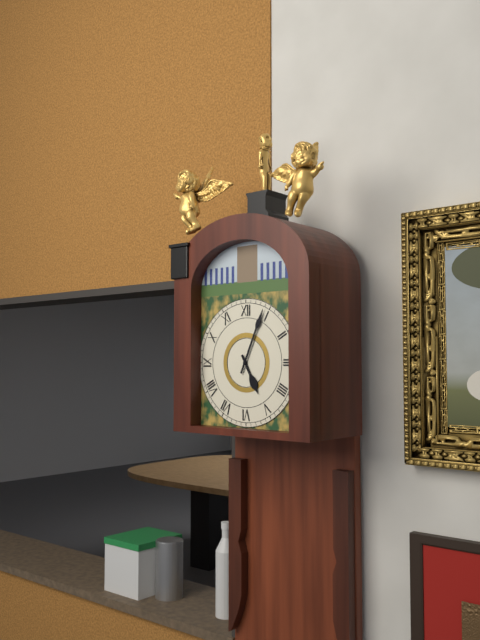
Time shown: h=5 m=4
